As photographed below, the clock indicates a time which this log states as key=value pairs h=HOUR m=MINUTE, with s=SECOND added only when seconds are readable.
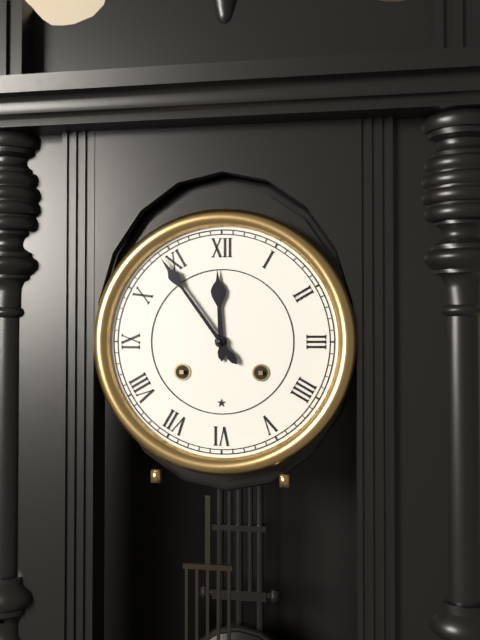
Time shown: h=11 m=54
